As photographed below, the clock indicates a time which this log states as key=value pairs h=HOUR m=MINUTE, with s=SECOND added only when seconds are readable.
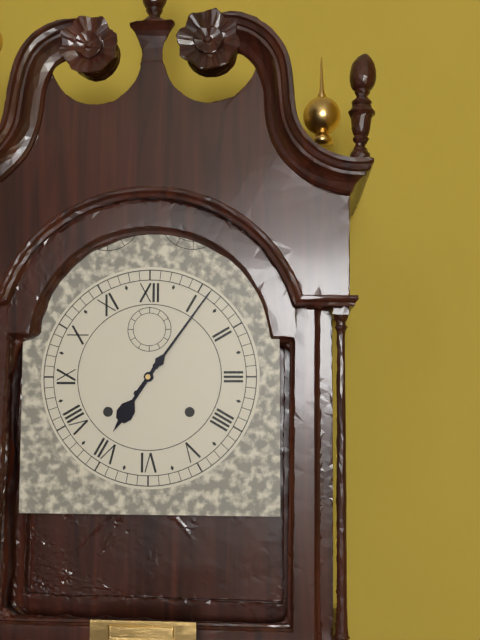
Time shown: h=7 m=6
